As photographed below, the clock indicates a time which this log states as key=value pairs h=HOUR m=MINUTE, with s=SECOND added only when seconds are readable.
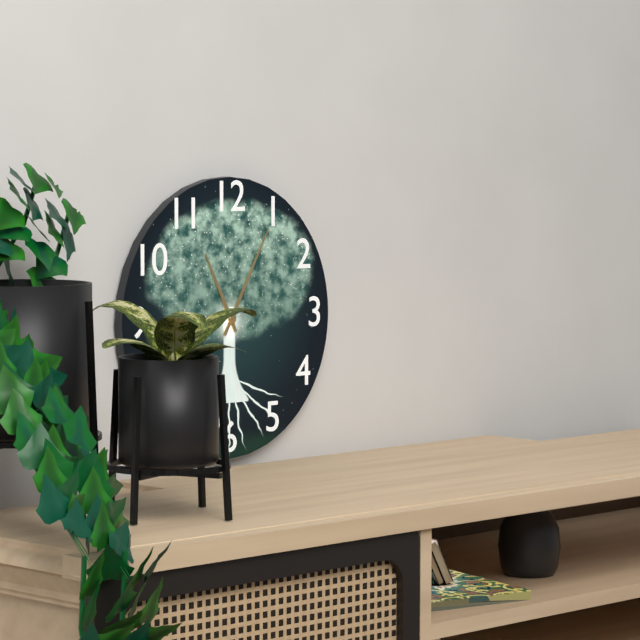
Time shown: h=11 m=5
